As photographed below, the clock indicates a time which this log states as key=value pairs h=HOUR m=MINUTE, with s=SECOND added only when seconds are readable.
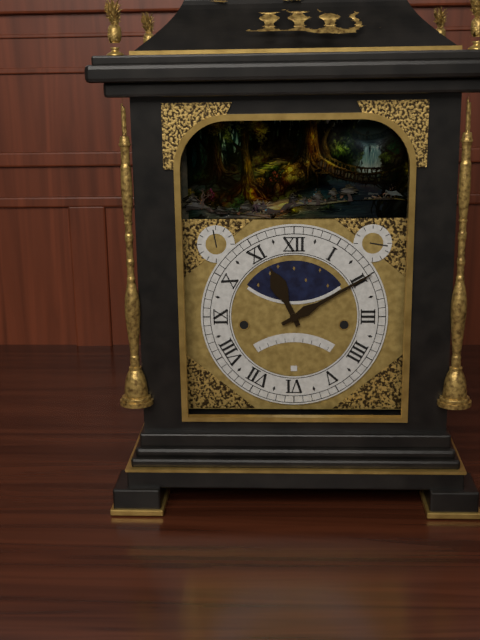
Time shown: h=11 m=10
